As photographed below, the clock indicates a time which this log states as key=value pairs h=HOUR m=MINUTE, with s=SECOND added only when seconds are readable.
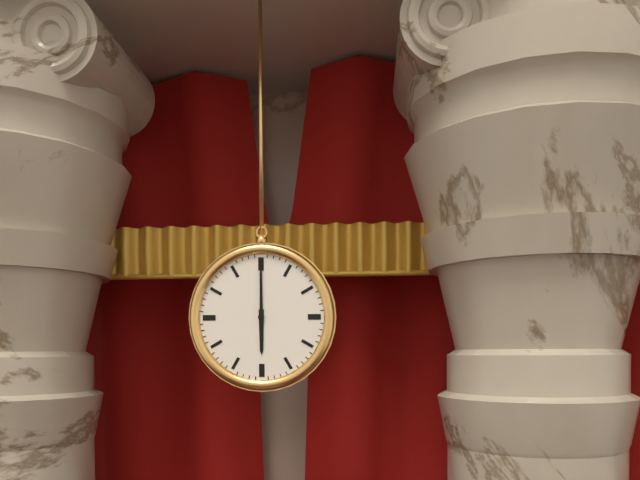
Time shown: h=6 m=0
